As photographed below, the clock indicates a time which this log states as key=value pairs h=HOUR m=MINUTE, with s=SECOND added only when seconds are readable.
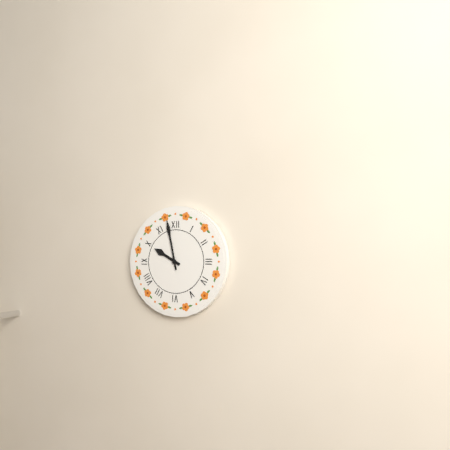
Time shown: h=9 m=58
